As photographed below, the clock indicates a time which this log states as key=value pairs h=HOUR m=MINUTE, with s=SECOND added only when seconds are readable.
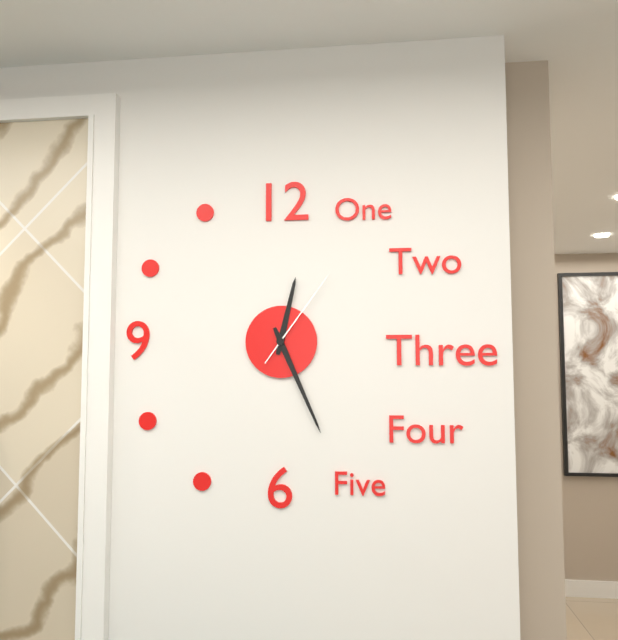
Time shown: h=12 m=26 s=6
